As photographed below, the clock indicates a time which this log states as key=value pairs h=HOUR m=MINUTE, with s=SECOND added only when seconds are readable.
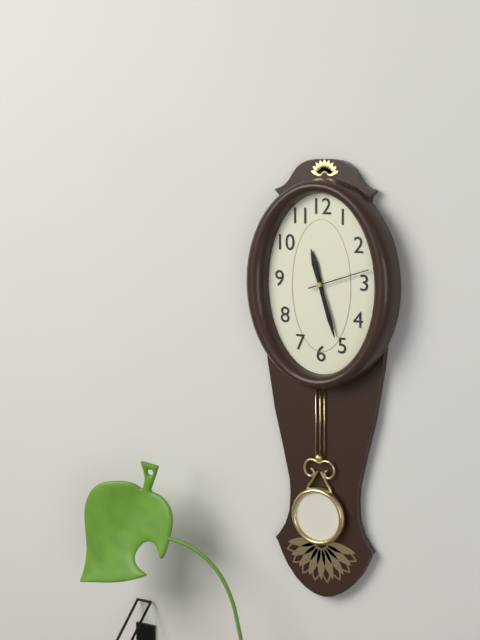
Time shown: h=11 m=27 s=12
